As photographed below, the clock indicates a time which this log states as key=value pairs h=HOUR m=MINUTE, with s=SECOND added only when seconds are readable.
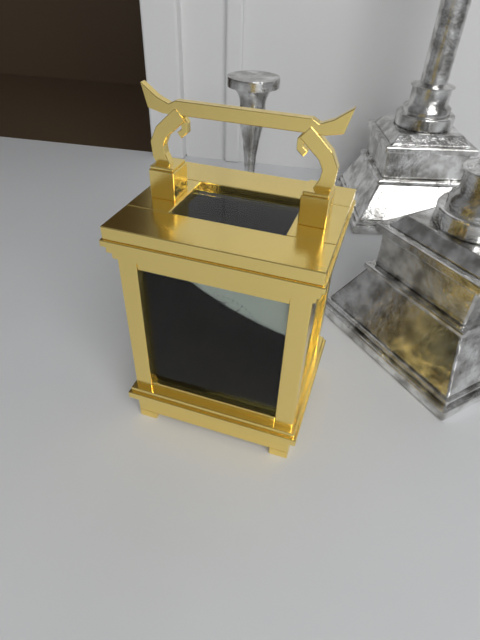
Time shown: h=12 m=45
